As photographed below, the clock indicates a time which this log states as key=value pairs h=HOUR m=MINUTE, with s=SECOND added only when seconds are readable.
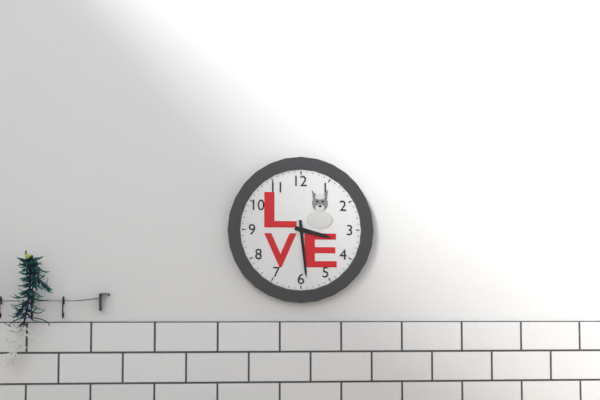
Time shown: h=3 m=29
